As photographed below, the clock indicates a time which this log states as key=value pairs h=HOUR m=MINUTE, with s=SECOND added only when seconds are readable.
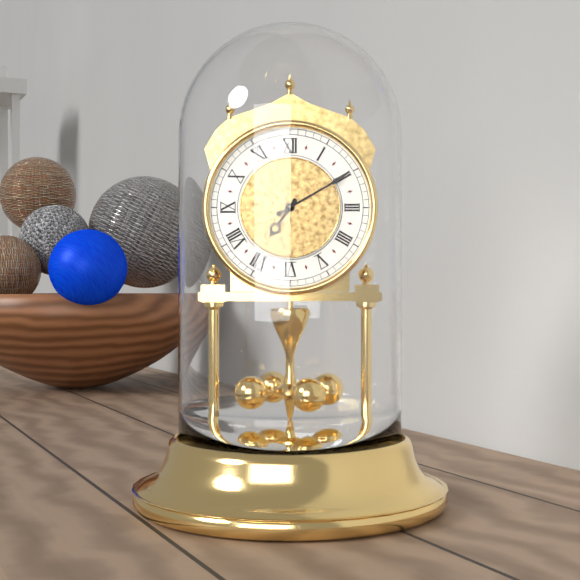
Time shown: h=7 m=10
